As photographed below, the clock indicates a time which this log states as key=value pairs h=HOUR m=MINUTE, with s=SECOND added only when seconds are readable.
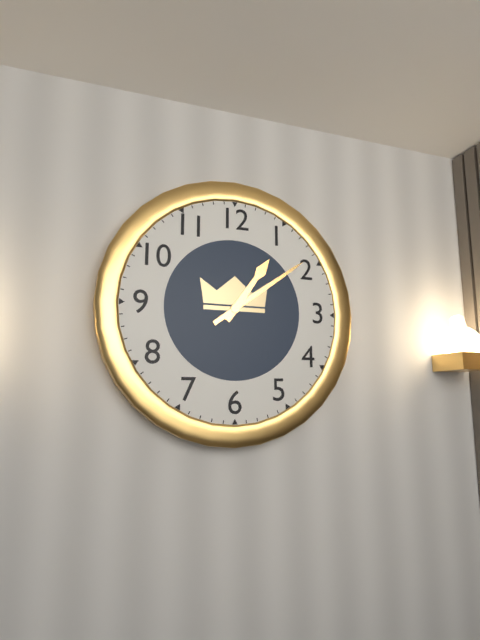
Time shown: h=1 m=9
